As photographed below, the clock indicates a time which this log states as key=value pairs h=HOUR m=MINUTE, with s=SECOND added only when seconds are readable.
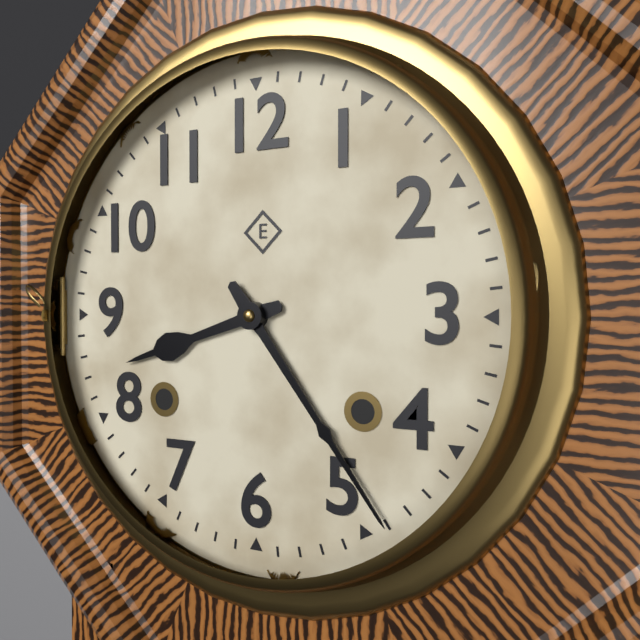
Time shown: h=8 m=24
